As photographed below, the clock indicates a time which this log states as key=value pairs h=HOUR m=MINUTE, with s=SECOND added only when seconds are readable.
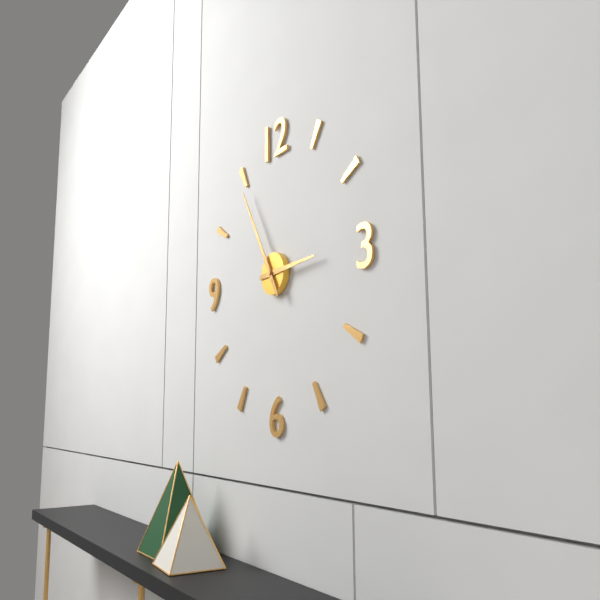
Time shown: h=2 m=55
